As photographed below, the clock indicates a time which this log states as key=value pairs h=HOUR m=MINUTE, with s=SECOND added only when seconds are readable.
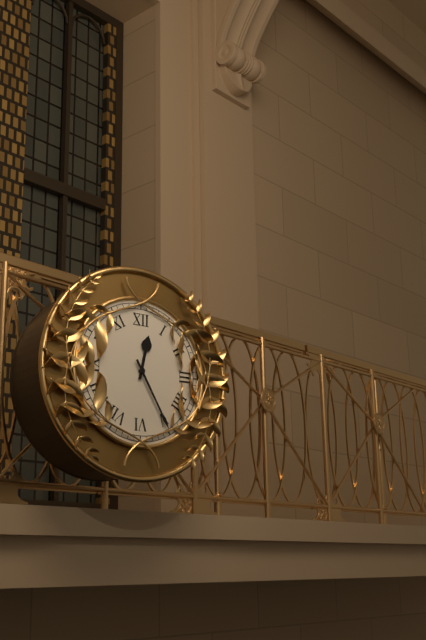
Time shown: h=12 m=25
